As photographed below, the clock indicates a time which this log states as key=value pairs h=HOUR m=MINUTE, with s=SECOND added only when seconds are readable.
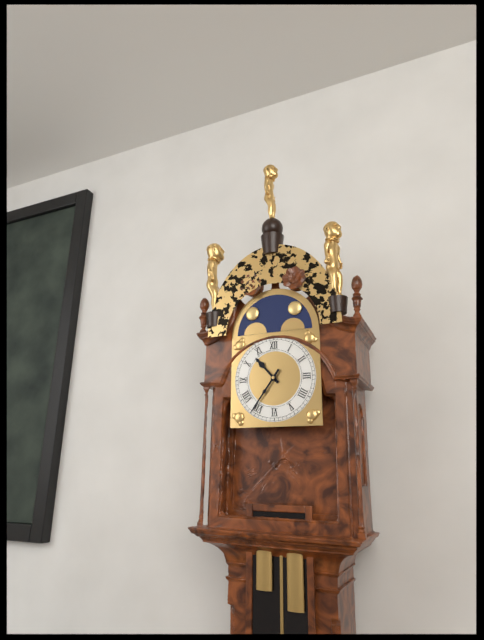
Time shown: h=10 m=36
